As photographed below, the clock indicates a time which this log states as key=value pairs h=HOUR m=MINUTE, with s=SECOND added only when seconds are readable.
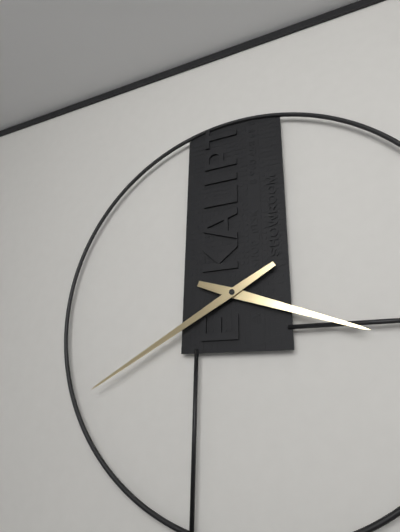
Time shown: h=3 m=40
